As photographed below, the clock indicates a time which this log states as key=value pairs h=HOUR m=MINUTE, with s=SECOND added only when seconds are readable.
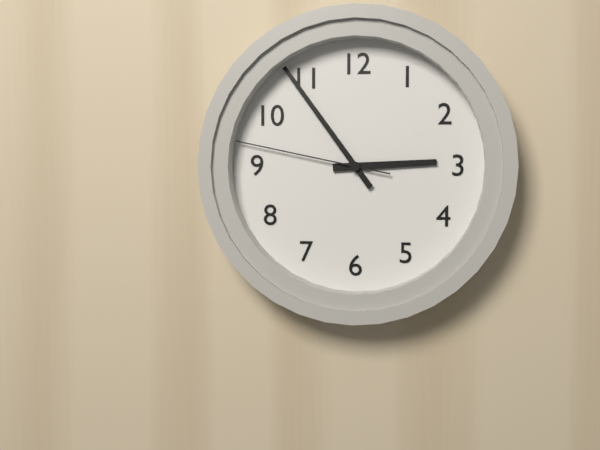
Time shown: h=2 m=54 s=47
